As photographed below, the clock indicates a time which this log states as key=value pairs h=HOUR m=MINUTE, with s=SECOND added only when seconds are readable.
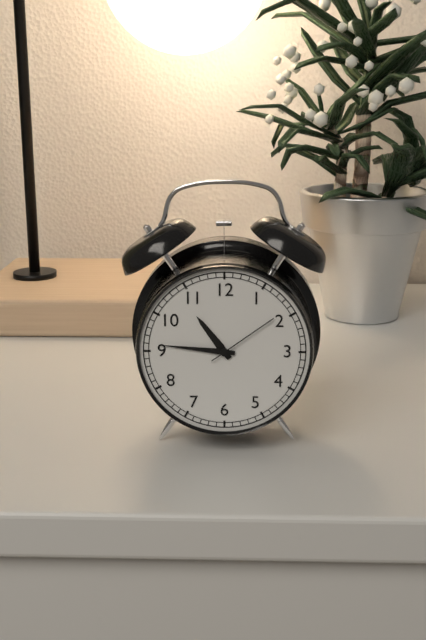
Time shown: h=10 m=46 s=9
